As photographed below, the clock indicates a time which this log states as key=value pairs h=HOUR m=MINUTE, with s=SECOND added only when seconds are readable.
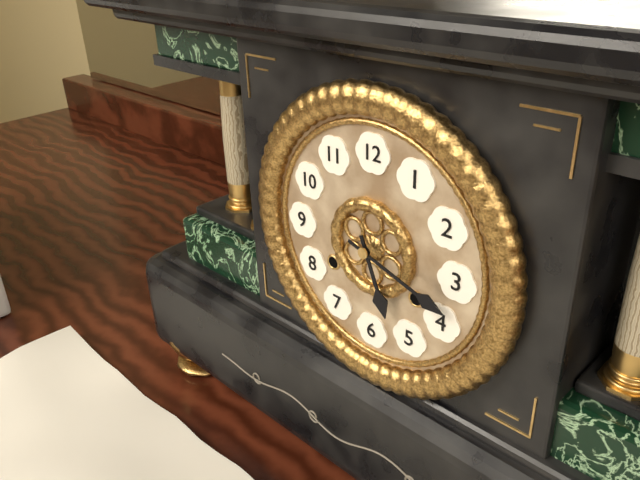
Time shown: h=5 m=18
